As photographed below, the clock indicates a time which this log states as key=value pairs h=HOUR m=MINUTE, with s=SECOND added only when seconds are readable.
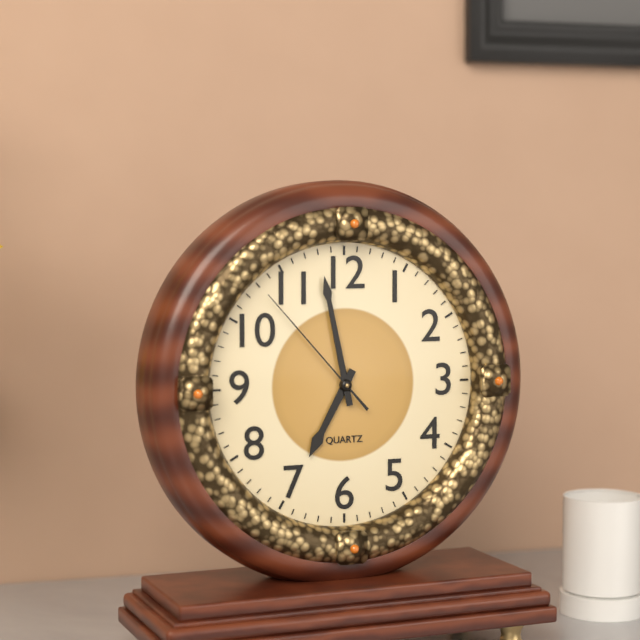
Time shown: h=6 m=58 s=53
